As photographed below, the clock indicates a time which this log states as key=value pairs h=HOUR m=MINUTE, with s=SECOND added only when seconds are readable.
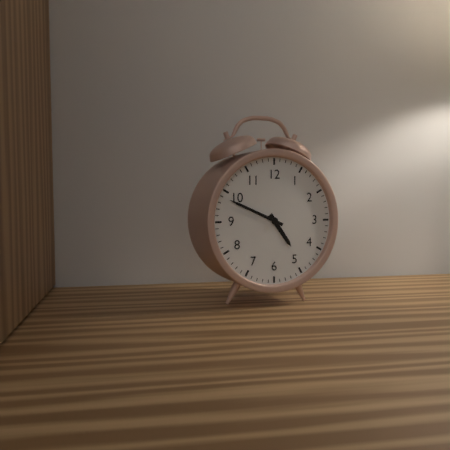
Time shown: h=4 m=49
